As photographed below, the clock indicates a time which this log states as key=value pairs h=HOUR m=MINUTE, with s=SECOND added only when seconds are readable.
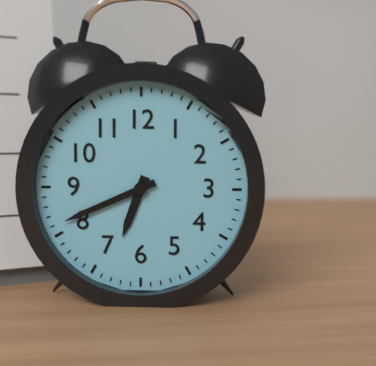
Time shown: h=6 m=41
